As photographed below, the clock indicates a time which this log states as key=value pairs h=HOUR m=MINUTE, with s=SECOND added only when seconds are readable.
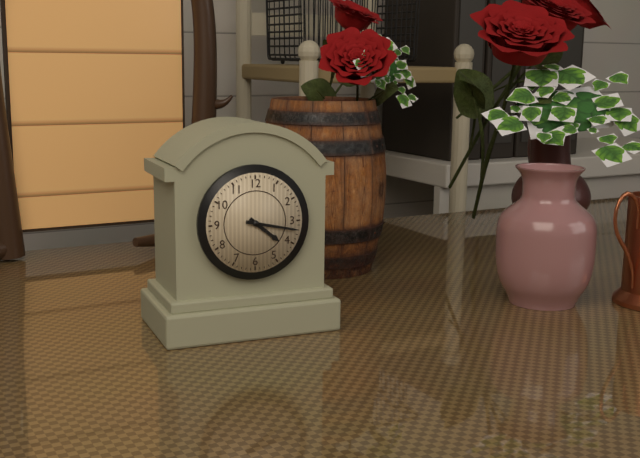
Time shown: h=4 m=17
